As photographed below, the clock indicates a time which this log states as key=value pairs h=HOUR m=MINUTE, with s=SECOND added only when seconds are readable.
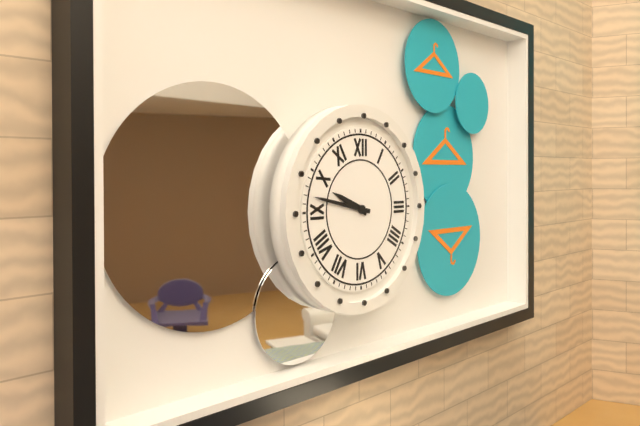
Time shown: h=9 m=47
